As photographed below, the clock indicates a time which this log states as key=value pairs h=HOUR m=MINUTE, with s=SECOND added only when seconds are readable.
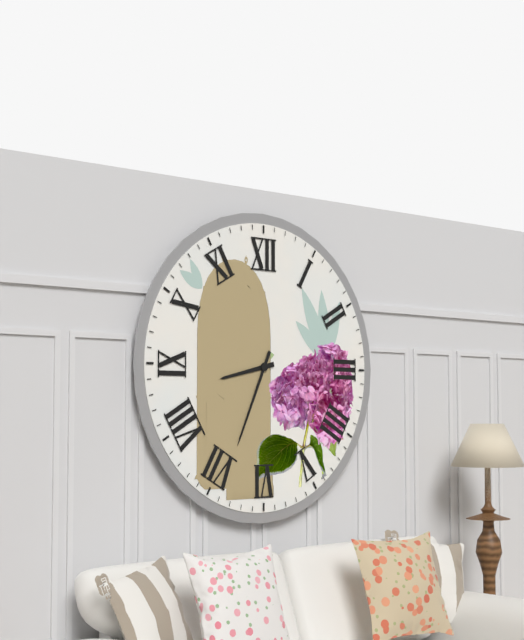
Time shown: h=8 m=34
